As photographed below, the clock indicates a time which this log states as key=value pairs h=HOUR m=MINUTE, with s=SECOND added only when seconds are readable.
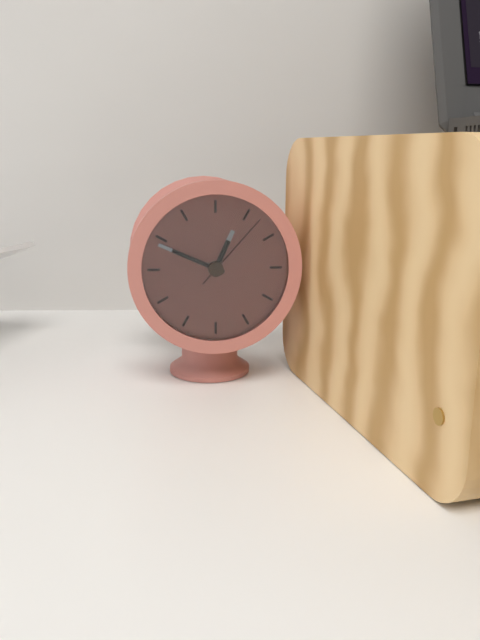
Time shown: h=12 m=49 s=7
